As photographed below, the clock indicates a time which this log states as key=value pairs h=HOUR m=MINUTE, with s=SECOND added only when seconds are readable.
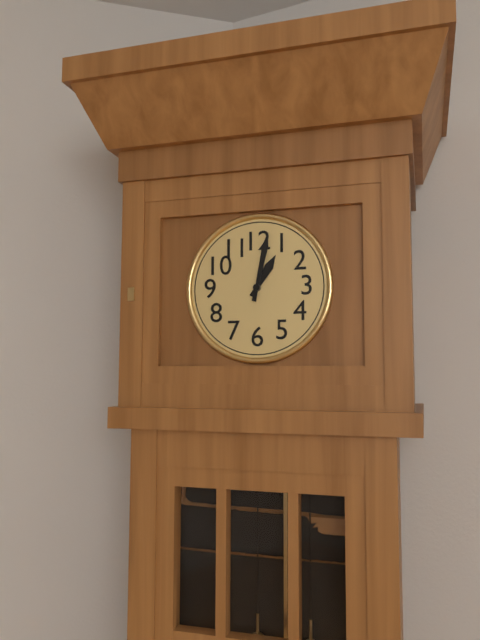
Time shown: h=1 m=2
